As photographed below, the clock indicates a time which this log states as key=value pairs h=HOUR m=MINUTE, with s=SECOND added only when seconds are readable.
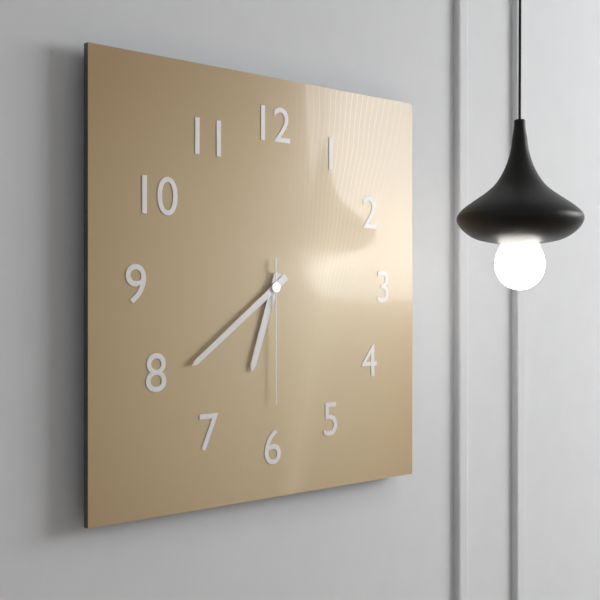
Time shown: h=6 m=39 s=30
